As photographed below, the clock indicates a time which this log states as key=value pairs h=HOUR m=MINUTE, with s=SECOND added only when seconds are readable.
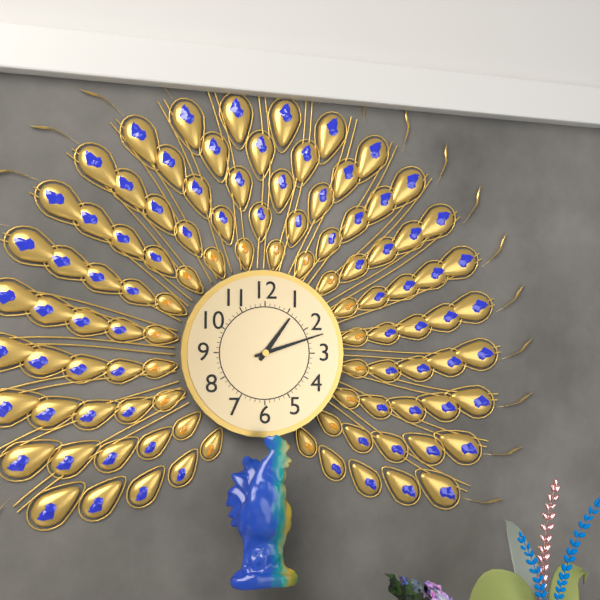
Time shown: h=1 m=12
